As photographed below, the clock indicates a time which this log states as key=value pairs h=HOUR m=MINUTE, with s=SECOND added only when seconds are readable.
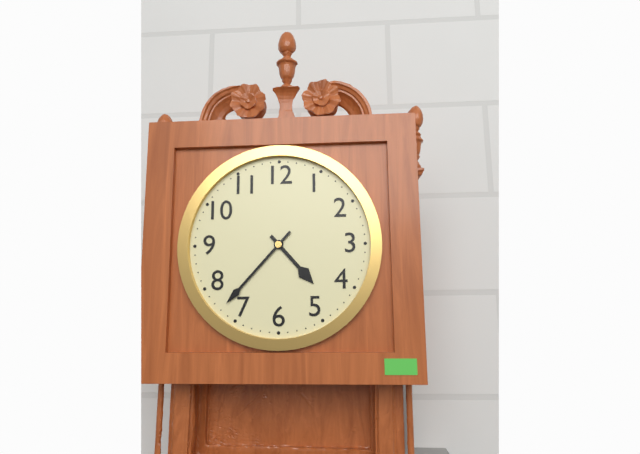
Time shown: h=4 m=37
